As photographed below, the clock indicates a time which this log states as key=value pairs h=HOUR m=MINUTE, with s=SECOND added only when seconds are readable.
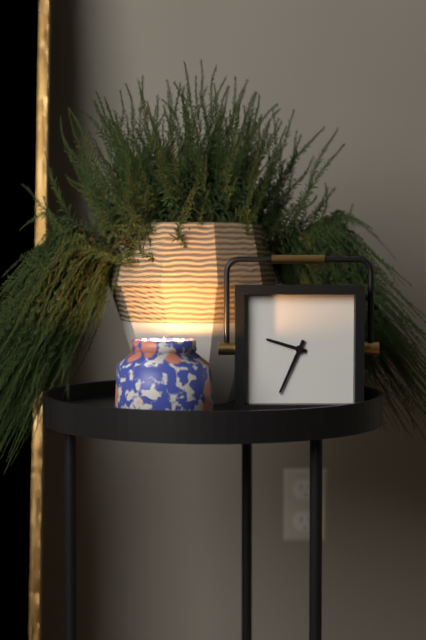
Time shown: h=9 m=34
